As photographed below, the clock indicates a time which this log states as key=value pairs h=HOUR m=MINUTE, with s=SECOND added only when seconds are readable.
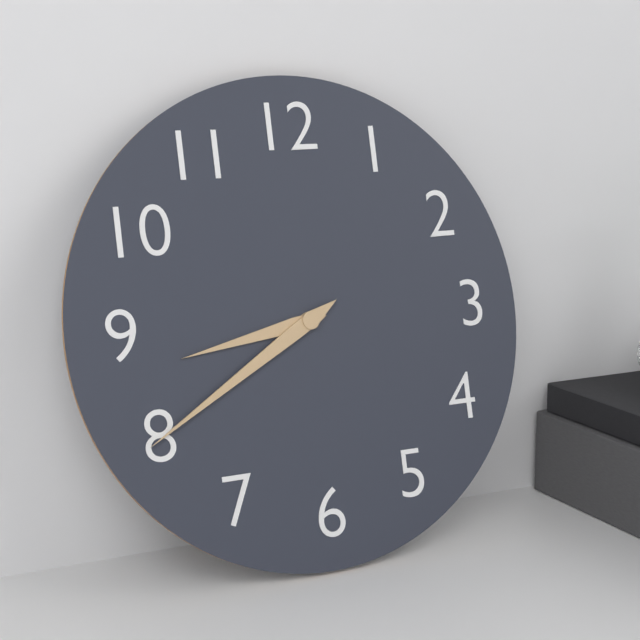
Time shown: h=8 m=40
